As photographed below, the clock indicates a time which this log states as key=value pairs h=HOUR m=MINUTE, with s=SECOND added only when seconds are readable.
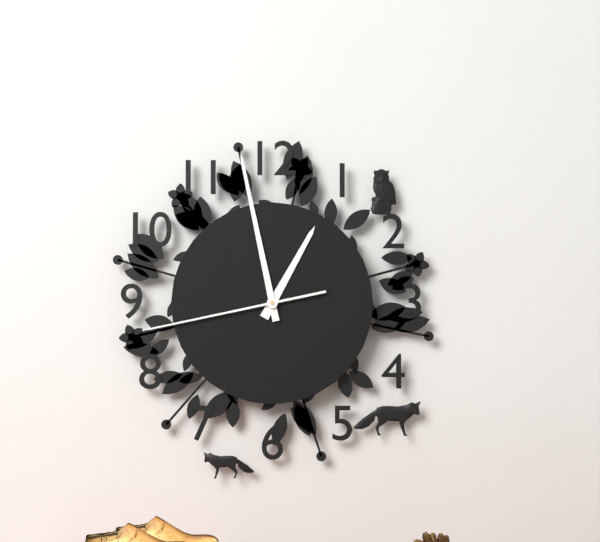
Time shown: h=12 m=58 s=43
